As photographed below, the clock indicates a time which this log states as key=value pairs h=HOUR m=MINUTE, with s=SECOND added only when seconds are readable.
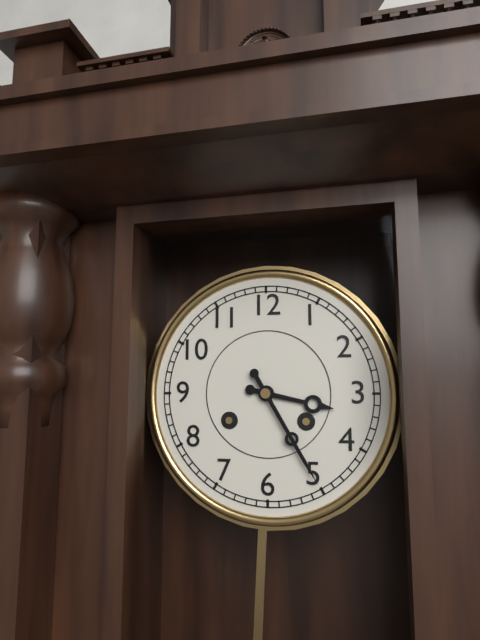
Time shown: h=3 m=25
